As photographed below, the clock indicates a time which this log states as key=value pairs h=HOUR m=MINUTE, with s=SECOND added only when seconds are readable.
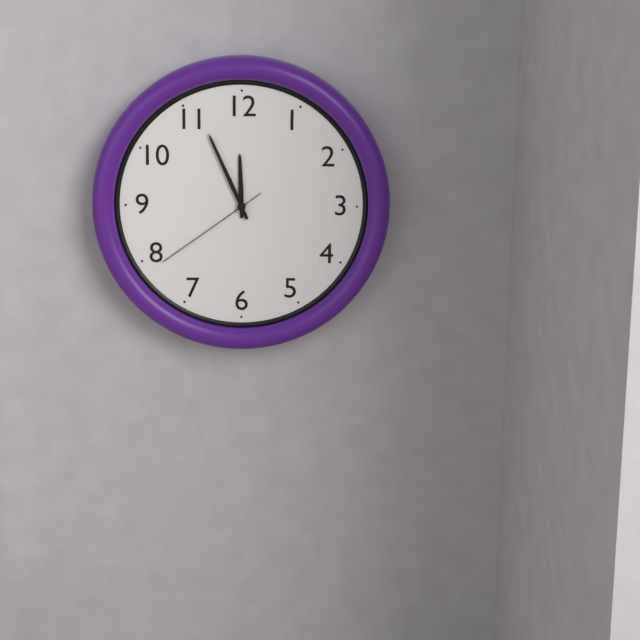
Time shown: h=11 m=56 s=39
